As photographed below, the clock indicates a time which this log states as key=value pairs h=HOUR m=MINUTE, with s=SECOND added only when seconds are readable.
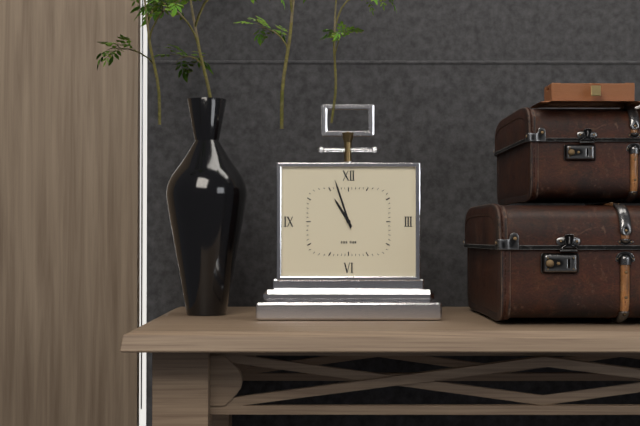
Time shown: h=10 m=57
